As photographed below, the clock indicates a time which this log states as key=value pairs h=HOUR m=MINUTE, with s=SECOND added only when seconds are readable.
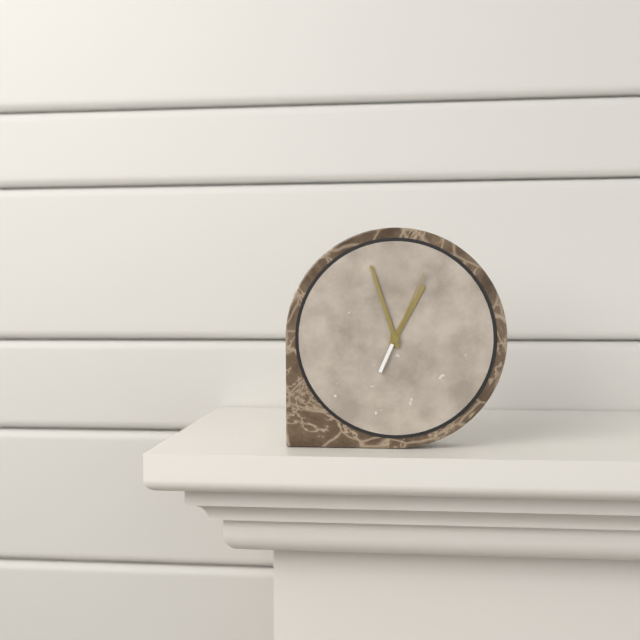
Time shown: h=12 m=57 s=4
